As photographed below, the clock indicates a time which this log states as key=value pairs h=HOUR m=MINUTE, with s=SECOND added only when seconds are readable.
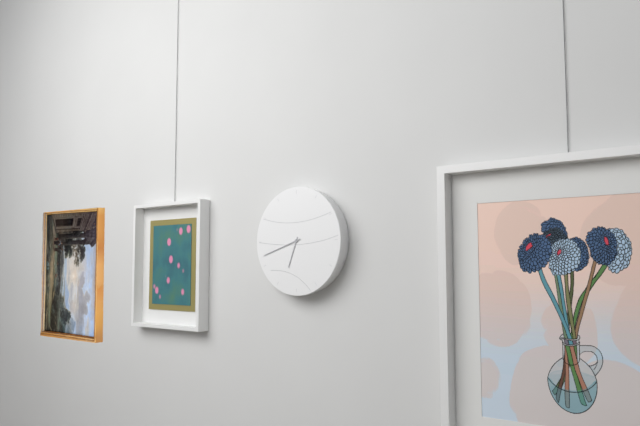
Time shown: h=6 m=42
